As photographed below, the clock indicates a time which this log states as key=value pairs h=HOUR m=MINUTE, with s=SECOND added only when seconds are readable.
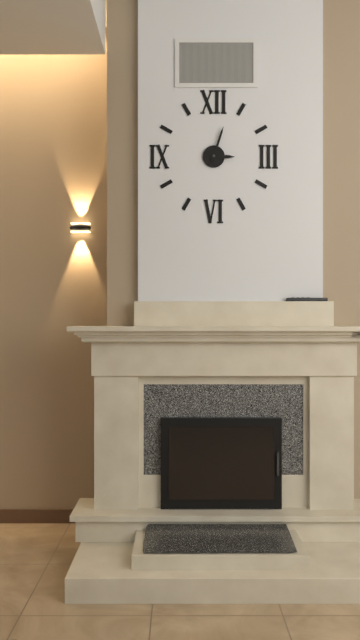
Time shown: h=3 m=3
